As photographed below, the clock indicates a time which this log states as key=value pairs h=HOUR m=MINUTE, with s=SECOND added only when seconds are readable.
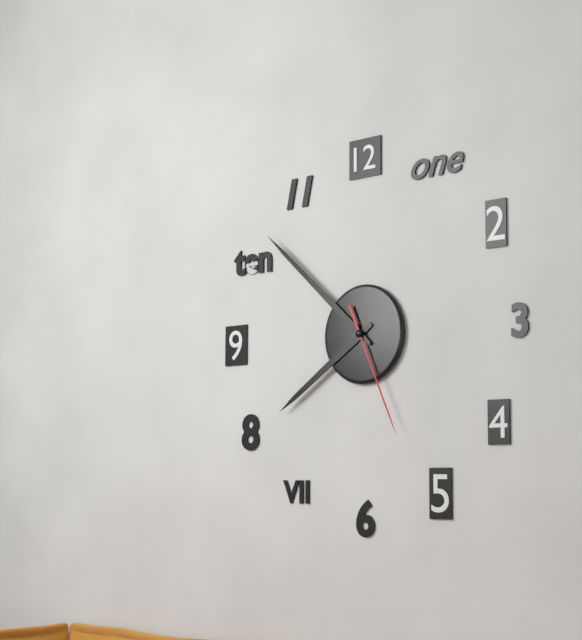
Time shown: h=7 m=52 s=26
